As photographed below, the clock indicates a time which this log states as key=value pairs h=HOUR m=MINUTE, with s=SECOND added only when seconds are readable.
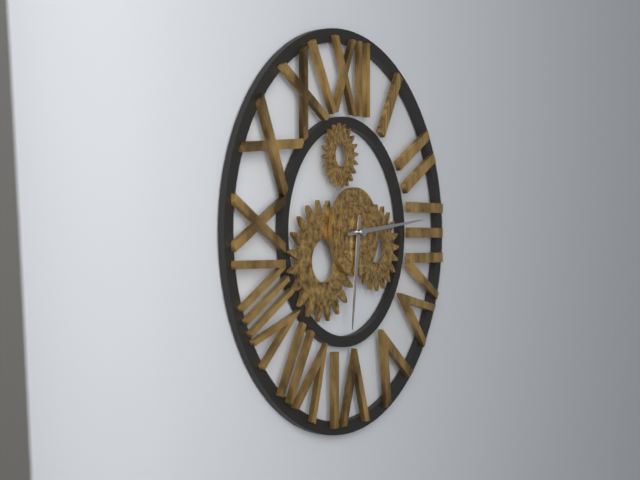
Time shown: h=6 m=14
